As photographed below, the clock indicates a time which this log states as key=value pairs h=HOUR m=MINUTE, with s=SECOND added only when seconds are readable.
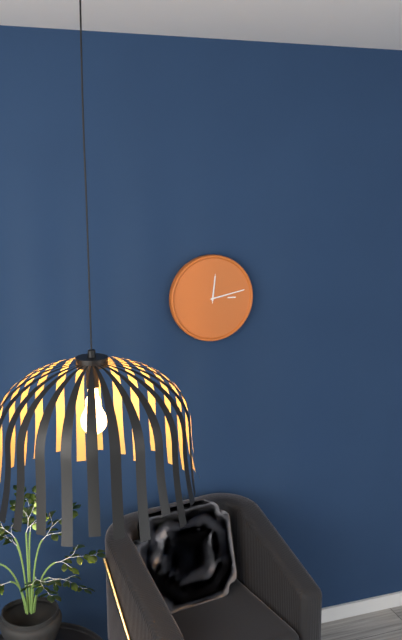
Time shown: h=12 m=13
